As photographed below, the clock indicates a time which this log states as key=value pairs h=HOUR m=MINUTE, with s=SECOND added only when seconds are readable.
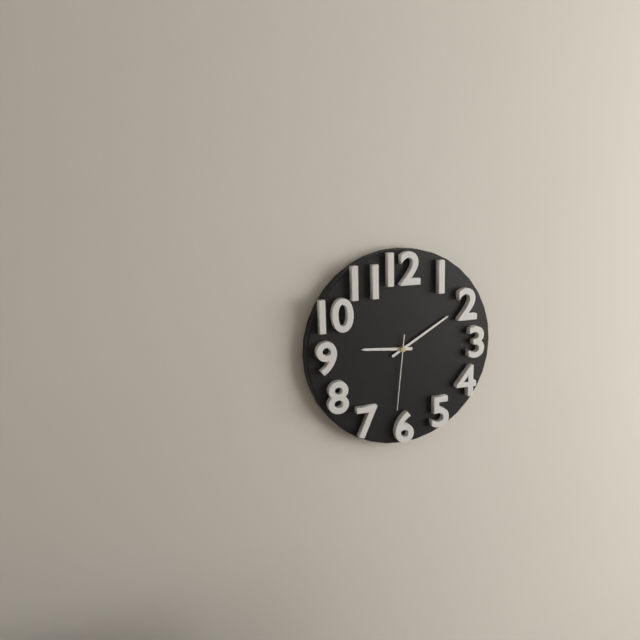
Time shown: h=9 m=10 s=31
